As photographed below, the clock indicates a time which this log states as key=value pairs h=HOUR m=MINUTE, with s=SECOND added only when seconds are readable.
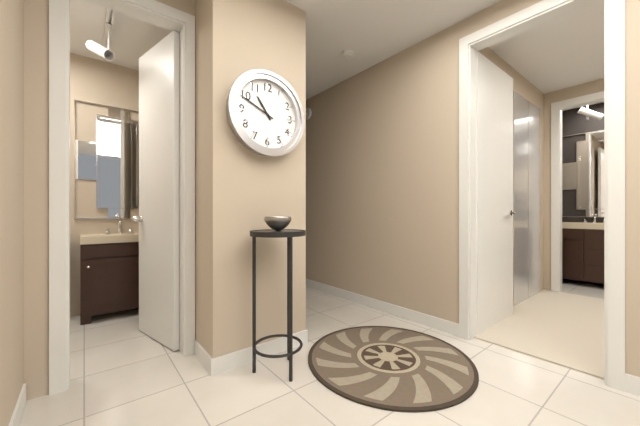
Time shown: h=10 m=49
